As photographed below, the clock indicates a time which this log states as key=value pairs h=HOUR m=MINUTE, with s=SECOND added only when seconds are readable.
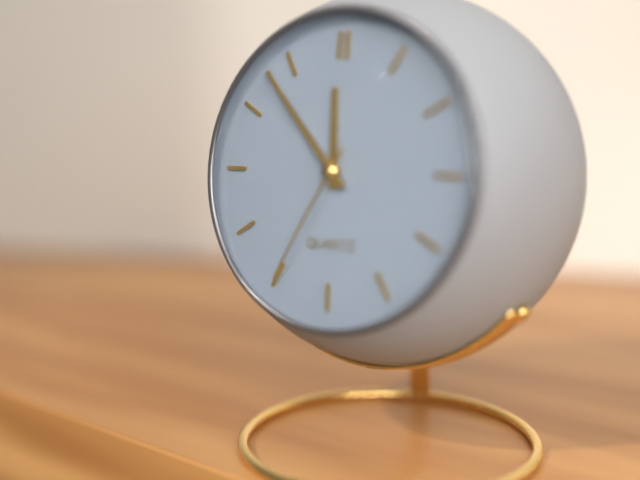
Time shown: h=11 m=53 s=35
